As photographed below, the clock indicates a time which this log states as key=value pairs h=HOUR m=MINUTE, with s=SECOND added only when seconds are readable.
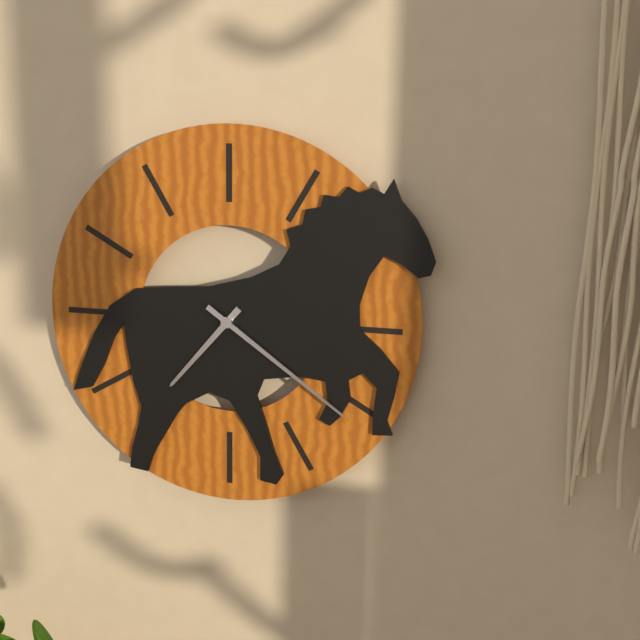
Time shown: h=7 m=21
